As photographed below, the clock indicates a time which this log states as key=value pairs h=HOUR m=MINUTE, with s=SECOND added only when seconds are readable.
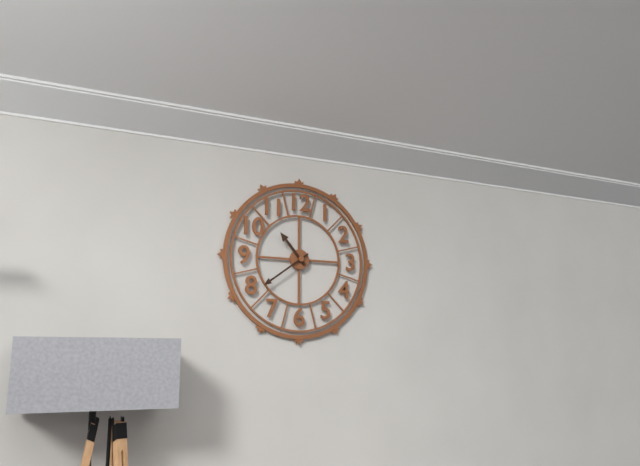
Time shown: h=10 m=39
